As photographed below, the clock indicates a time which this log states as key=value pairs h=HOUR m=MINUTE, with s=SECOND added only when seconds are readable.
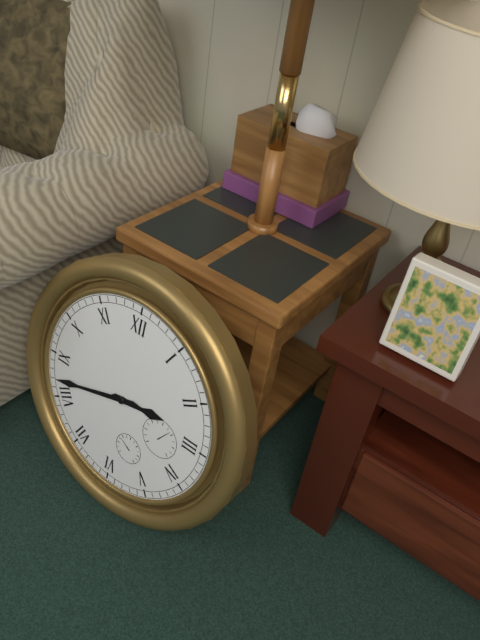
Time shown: h=2 m=42
